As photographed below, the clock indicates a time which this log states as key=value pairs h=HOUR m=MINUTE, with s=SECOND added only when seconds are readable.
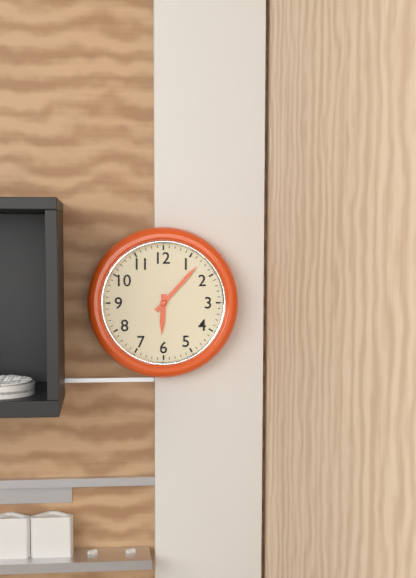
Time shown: h=6 m=7
